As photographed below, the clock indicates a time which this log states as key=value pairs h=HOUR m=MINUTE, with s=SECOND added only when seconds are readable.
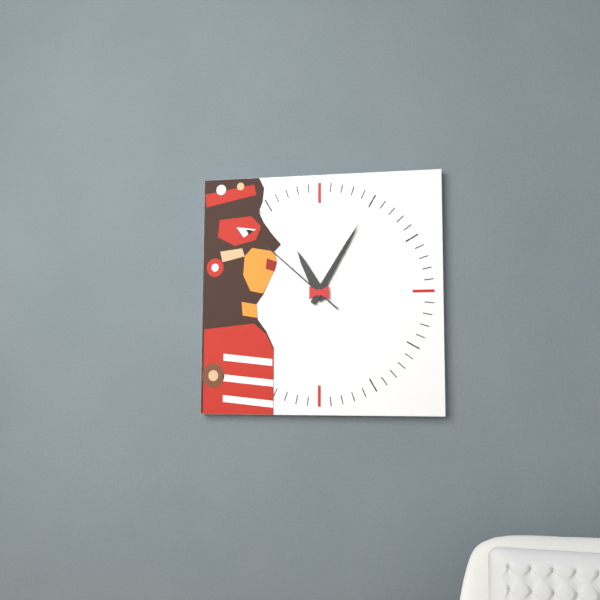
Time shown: h=11 m=5 s=52
